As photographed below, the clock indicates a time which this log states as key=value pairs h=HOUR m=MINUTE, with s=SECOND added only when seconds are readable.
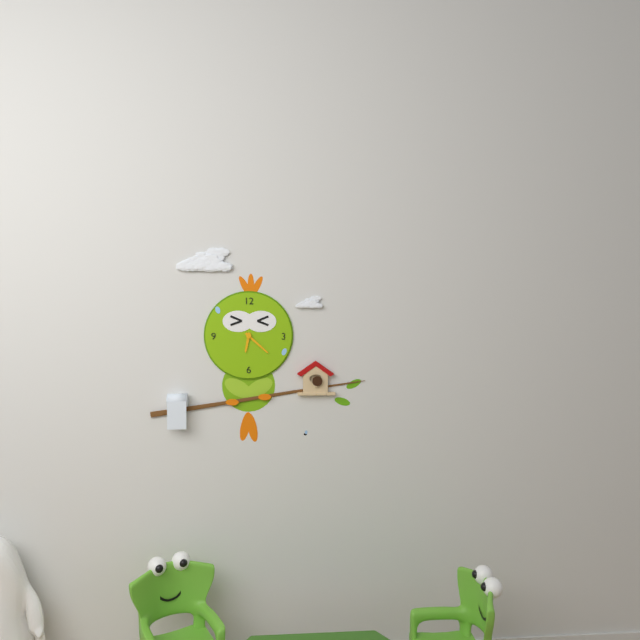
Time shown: h=6 m=22
